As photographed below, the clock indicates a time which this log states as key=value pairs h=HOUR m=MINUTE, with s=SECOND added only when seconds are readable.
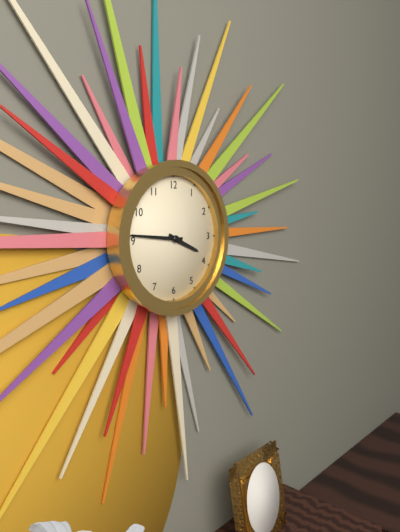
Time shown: h=3 m=46
